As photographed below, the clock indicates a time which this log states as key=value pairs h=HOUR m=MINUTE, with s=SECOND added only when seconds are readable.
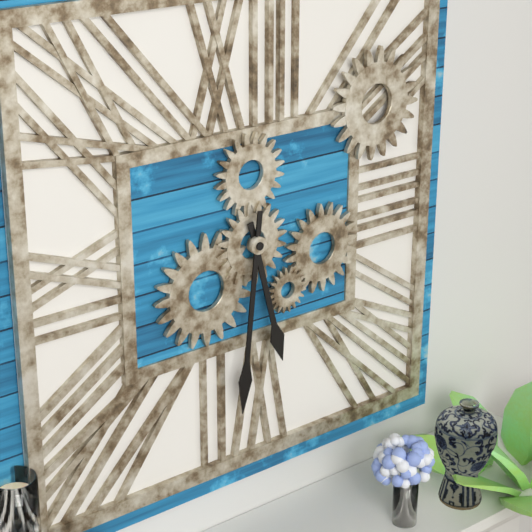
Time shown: h=5 m=31
